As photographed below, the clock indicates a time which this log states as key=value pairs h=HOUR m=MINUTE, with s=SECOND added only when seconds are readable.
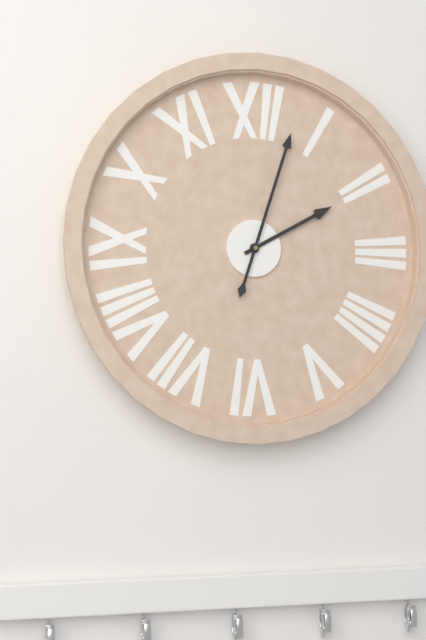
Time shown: h=2 m=3
